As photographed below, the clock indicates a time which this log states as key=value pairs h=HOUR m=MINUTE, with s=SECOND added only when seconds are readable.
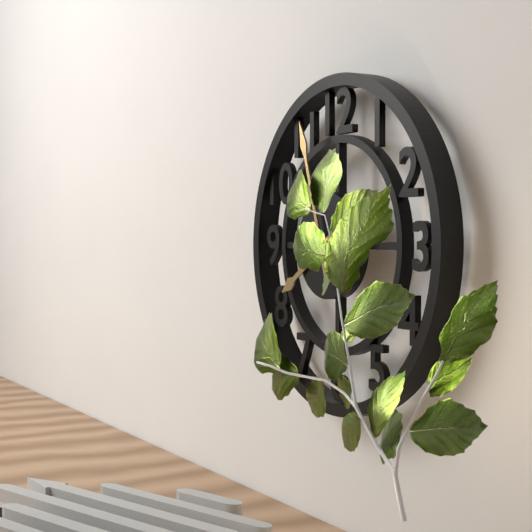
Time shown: h=7 m=57
